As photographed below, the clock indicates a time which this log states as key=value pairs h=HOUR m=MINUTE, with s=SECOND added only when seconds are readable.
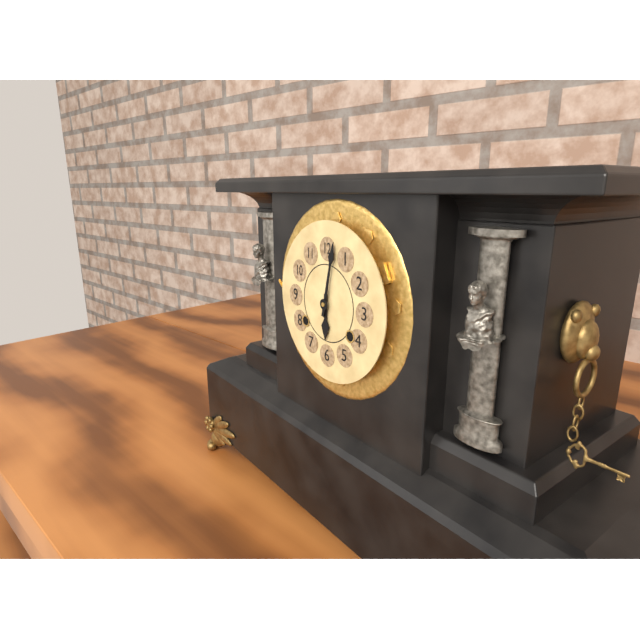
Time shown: h=6 m=2
